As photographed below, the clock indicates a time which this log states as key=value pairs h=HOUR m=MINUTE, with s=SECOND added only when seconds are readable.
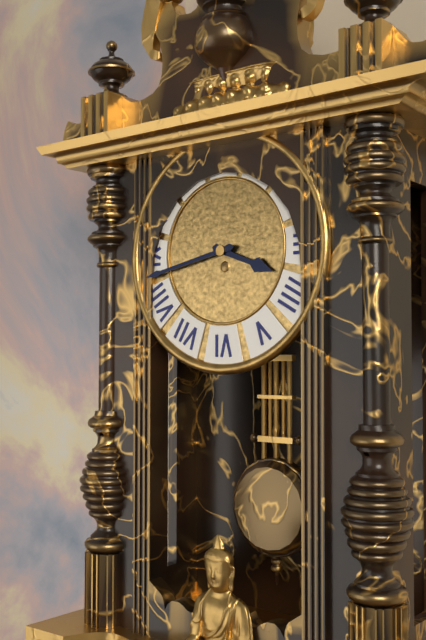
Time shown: h=3 m=43
